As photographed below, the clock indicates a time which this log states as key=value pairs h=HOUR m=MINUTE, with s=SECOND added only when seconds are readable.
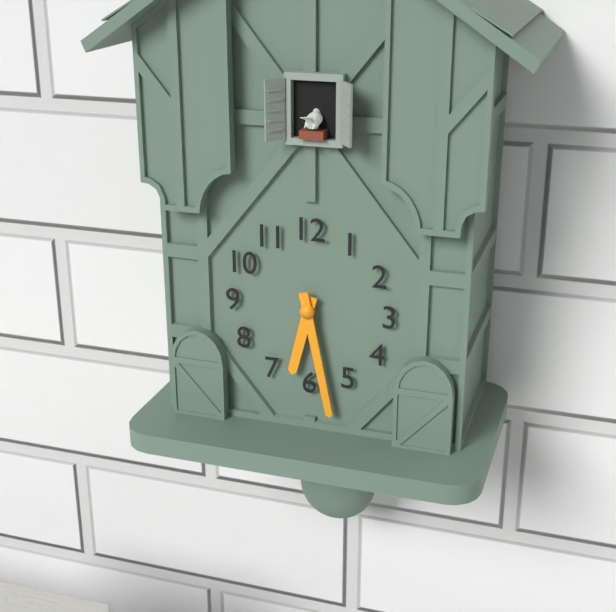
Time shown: h=6 m=28
